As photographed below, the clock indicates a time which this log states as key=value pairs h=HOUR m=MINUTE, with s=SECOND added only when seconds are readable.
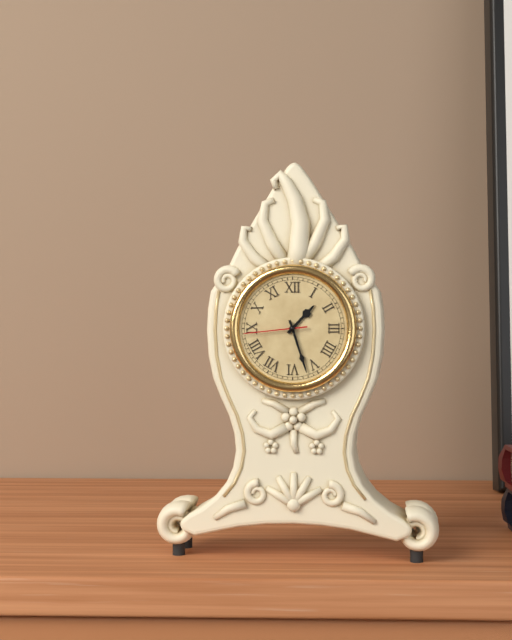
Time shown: h=1 m=27 s=44
